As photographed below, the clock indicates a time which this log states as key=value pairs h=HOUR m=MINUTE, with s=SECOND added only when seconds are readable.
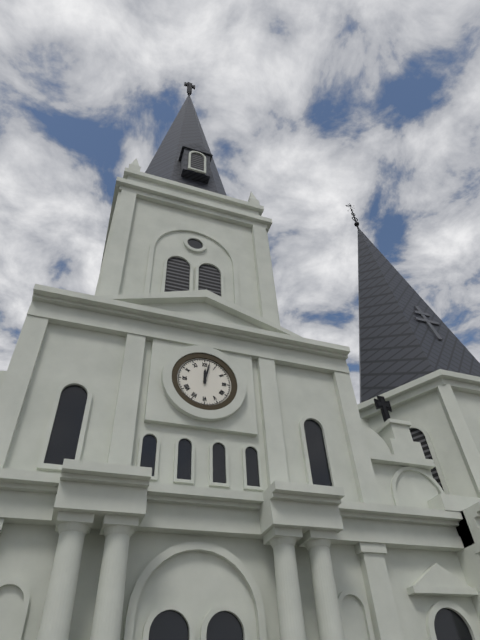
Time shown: h=12 m=2
